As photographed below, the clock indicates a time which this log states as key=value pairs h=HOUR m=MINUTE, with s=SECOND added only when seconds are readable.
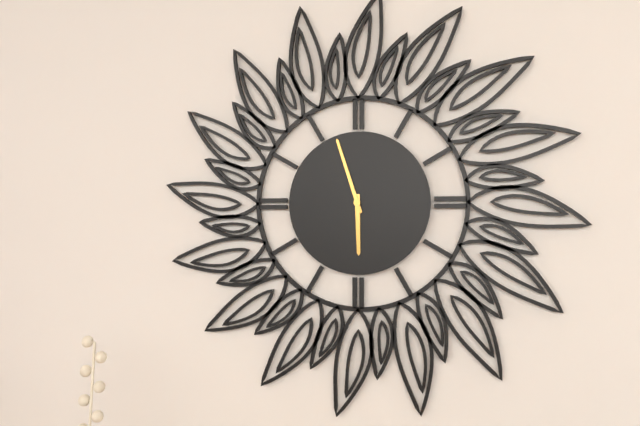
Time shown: h=5 m=57
